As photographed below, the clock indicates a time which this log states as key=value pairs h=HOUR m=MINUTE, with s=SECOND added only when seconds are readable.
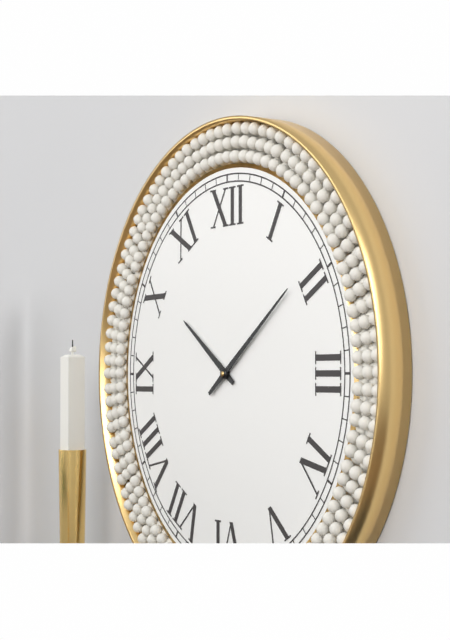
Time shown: h=10 m=9
